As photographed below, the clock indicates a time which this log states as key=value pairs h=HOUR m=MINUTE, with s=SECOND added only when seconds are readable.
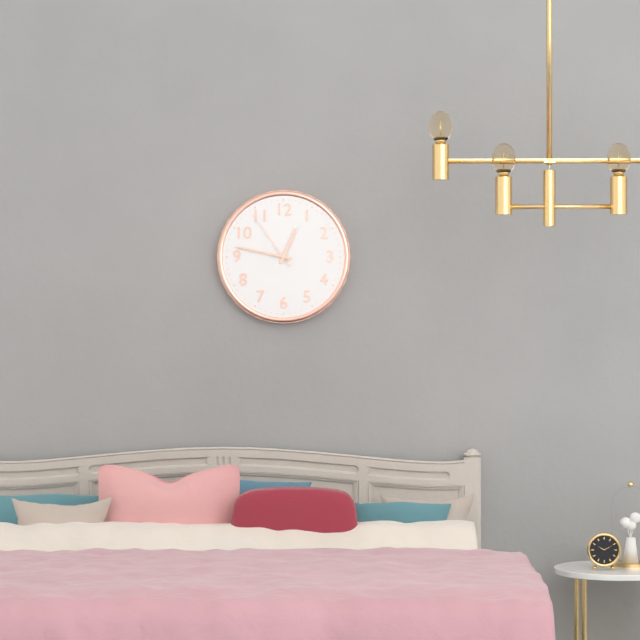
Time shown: h=12 m=47 s=54
